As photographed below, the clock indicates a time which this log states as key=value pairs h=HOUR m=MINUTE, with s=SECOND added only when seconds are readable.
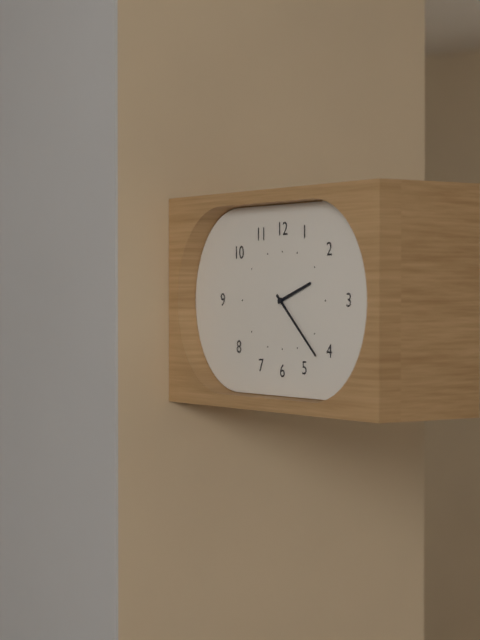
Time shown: h=2 m=22
